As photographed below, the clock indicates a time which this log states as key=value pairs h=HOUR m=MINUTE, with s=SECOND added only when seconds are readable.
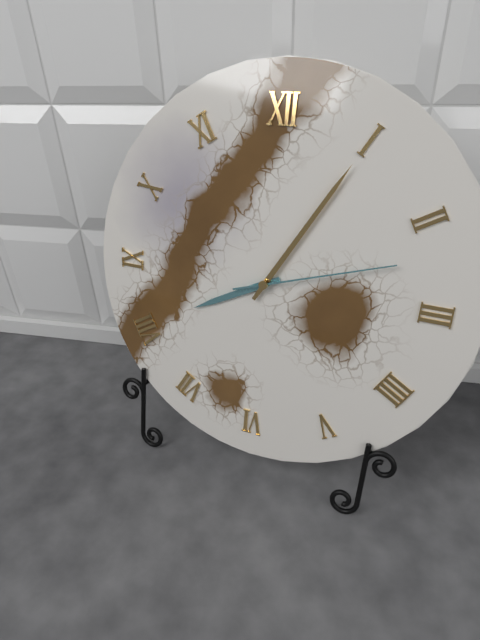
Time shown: h=8 m=5 s=12
